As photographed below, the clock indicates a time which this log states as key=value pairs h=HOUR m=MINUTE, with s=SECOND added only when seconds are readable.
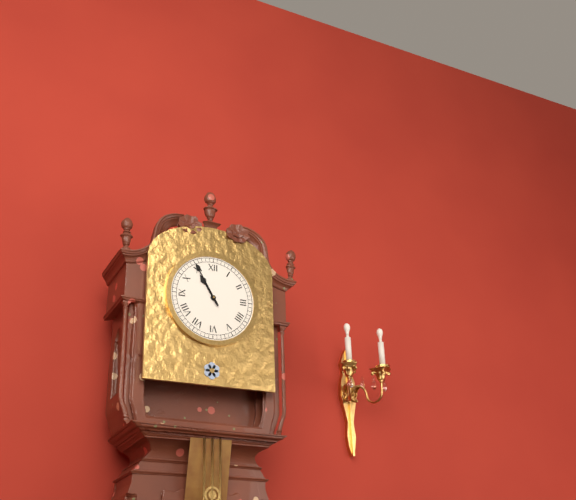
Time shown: h=10 m=55
